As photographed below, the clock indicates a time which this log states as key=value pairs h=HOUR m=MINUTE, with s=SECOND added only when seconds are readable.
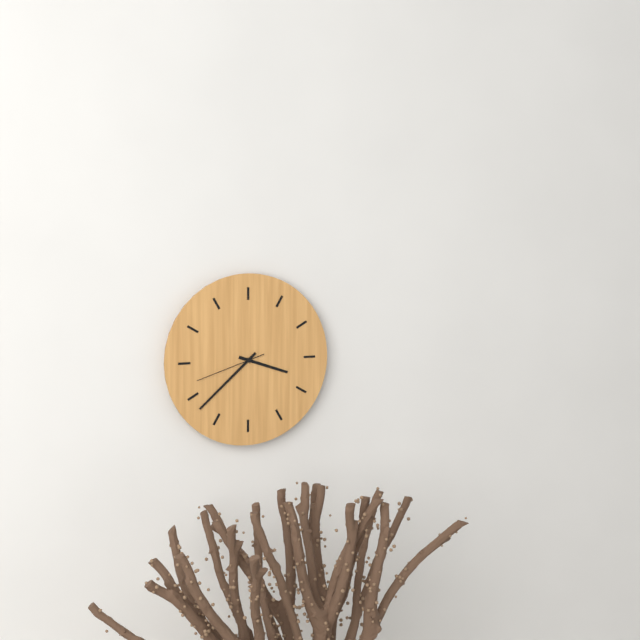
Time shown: h=3 m=38 s=42
